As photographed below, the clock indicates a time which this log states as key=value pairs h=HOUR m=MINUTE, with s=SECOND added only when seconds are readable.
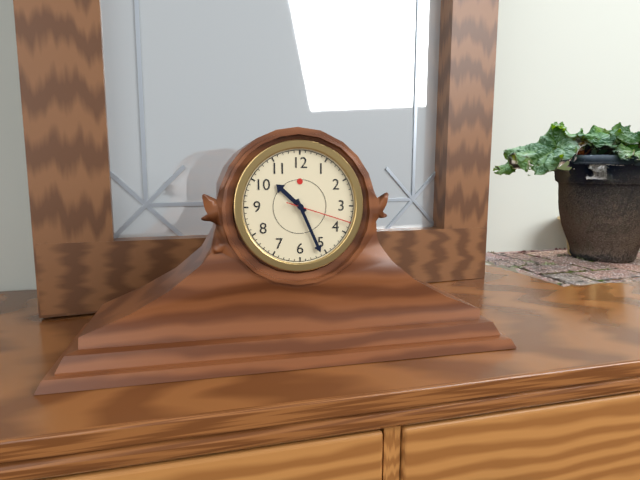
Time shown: h=10 m=26 s=18
